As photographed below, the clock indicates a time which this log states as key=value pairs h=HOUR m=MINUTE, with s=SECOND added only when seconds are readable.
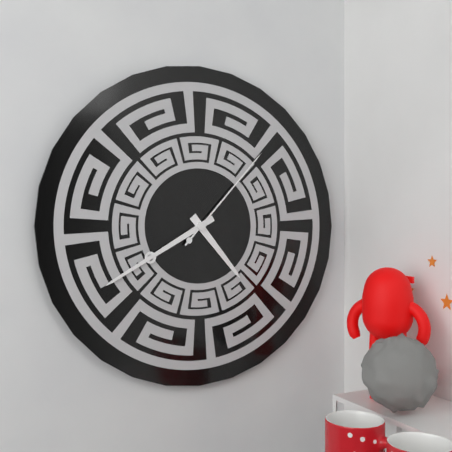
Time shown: h=4 m=40 s=7
